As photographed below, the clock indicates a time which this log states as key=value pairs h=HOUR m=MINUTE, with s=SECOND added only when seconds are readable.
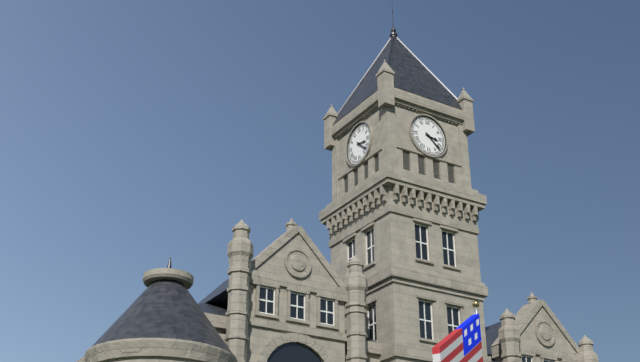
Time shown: h=3 m=22
